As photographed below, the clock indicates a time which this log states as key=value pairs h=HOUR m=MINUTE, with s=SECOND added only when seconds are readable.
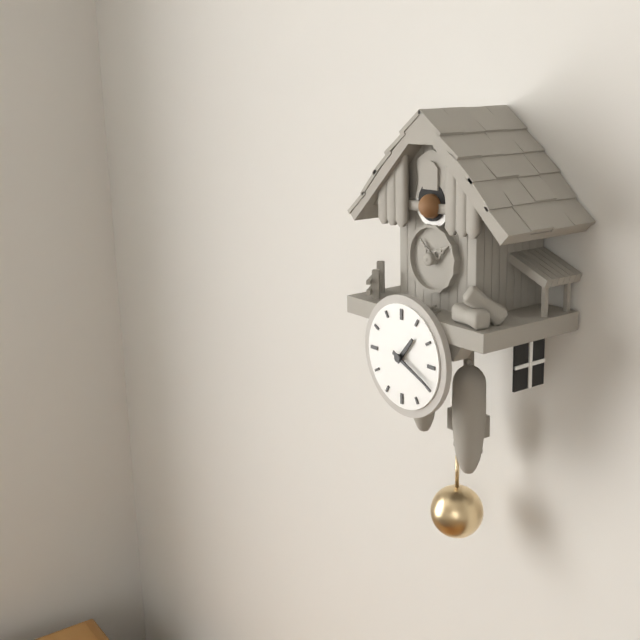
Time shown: h=1 m=19
